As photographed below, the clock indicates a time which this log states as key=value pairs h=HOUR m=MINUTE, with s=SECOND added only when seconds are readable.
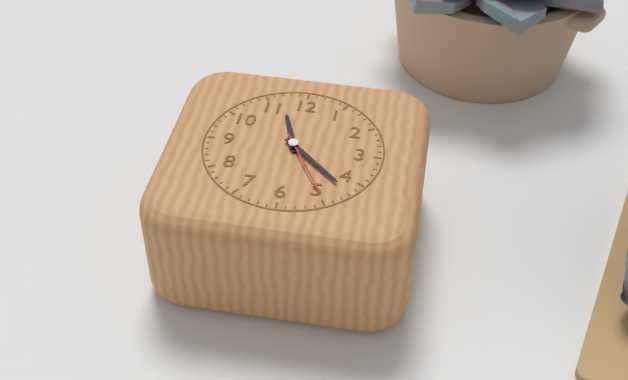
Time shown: h=11 m=22 s=25
